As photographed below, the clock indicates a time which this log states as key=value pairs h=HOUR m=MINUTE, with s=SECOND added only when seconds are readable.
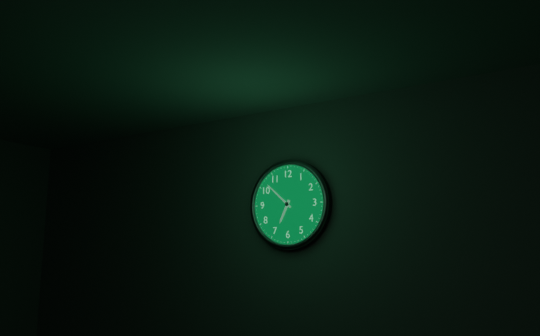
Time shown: h=6 m=52
